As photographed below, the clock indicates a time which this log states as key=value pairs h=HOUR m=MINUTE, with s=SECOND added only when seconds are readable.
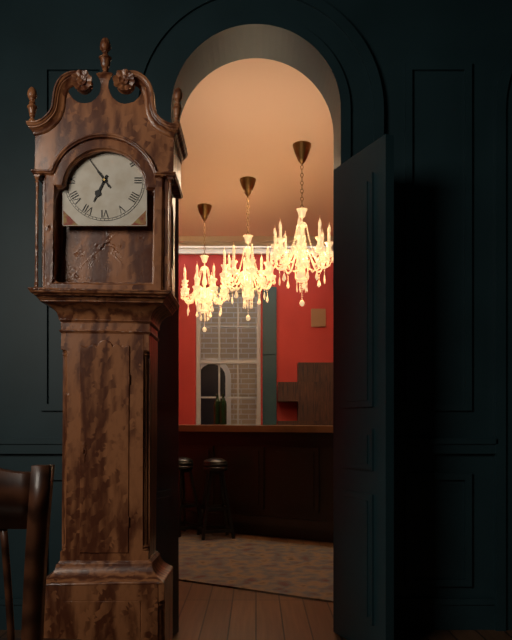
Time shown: h=6 m=54
